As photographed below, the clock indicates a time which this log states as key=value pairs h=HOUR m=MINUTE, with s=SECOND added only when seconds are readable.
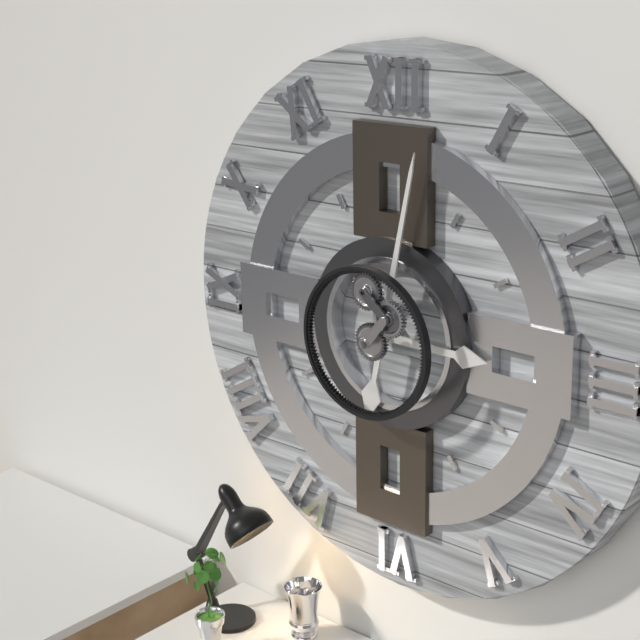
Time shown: h=3 m=2
